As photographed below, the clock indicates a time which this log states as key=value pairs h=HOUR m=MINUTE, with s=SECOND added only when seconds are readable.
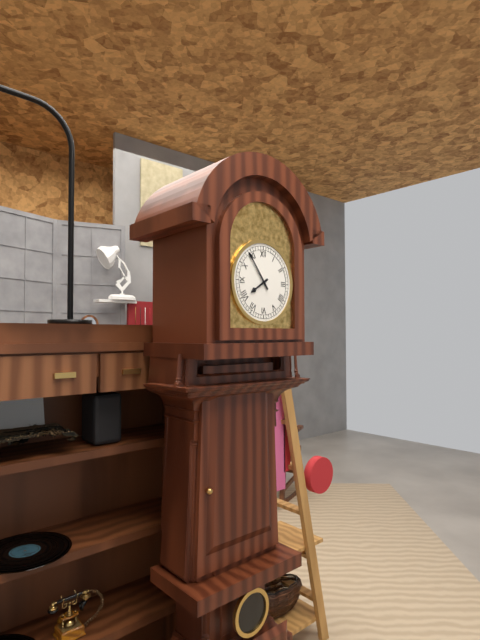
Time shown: h=7 m=54
